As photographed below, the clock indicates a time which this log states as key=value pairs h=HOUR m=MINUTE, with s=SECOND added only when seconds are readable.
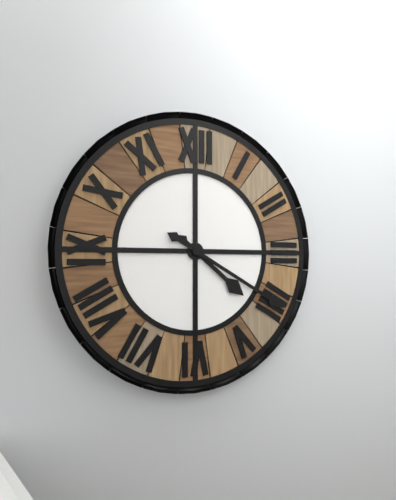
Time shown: h=4 m=20
